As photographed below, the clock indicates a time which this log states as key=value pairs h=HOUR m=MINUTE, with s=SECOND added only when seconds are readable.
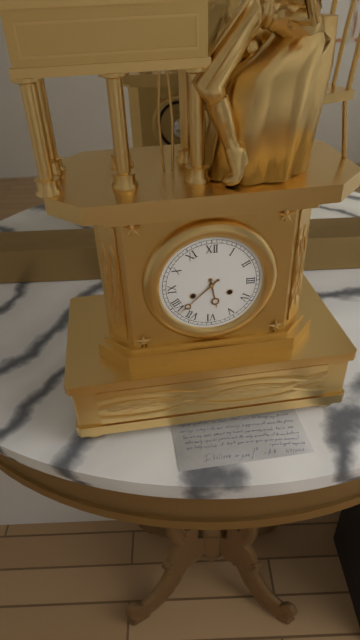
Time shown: h=5 m=38
